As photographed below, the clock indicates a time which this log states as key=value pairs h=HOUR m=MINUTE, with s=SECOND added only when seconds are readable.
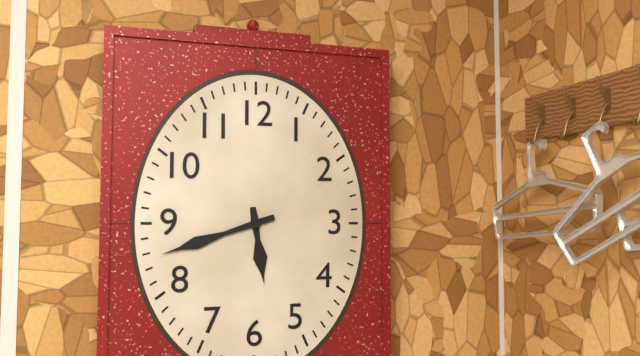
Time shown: h=5 m=42
